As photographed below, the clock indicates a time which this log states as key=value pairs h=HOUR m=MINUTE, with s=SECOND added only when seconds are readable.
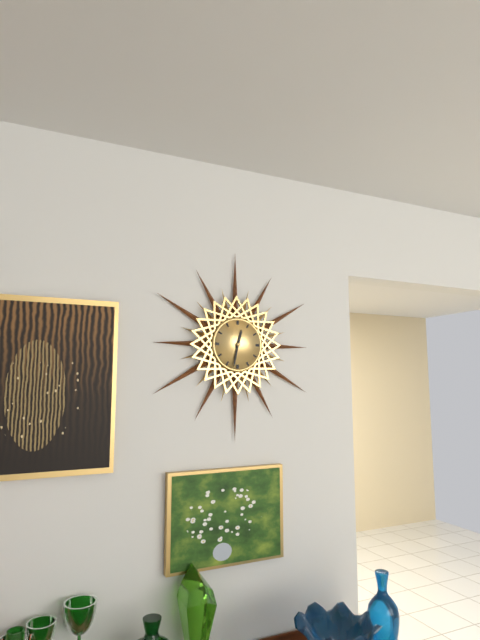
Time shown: h=12 m=32
